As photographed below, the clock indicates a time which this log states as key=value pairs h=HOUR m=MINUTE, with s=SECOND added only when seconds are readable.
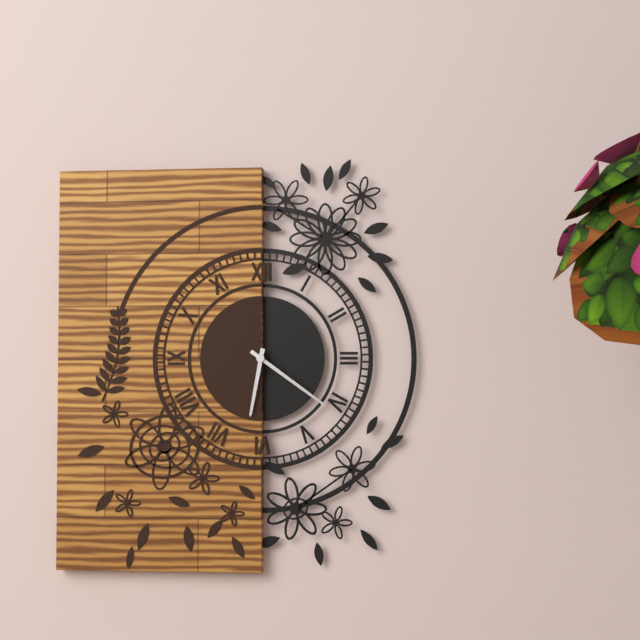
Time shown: h=6 m=21
